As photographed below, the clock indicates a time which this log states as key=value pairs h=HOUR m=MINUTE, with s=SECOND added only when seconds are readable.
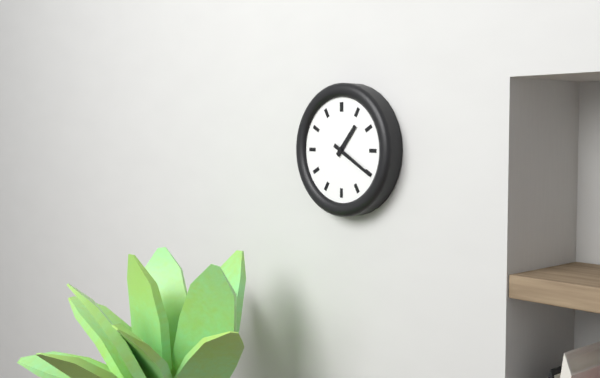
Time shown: h=1 m=20
